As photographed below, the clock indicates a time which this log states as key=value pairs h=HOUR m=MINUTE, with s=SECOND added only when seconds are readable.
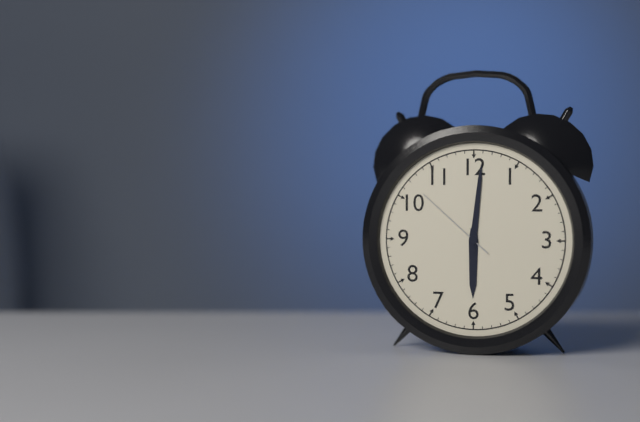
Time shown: h=6 m=1 s=52
